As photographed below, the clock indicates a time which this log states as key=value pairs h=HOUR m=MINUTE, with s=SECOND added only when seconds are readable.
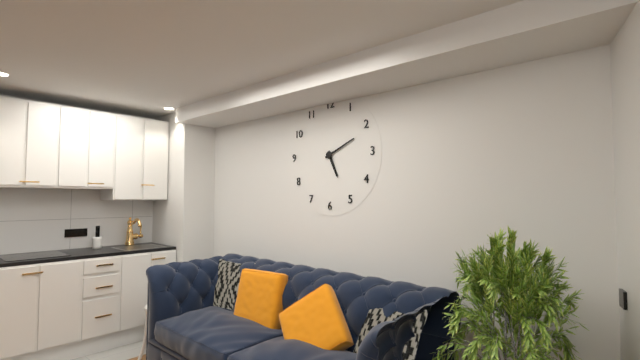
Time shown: h=5 m=11
